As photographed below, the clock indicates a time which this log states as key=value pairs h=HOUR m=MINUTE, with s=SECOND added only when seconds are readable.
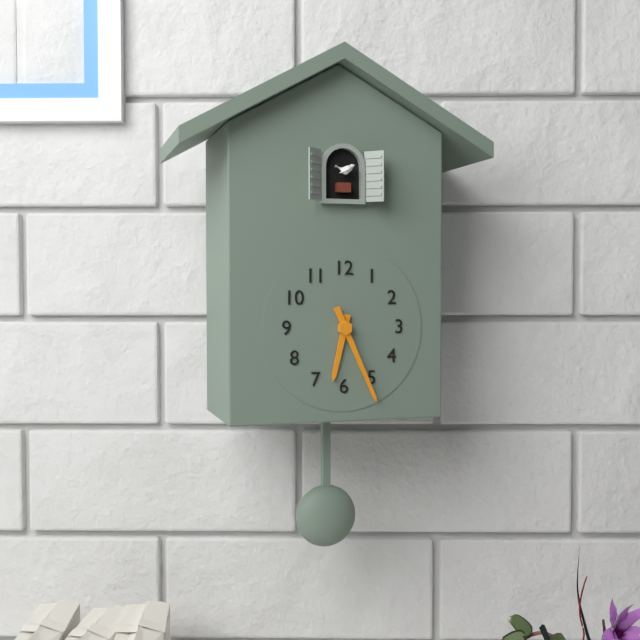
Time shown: h=6 m=26
